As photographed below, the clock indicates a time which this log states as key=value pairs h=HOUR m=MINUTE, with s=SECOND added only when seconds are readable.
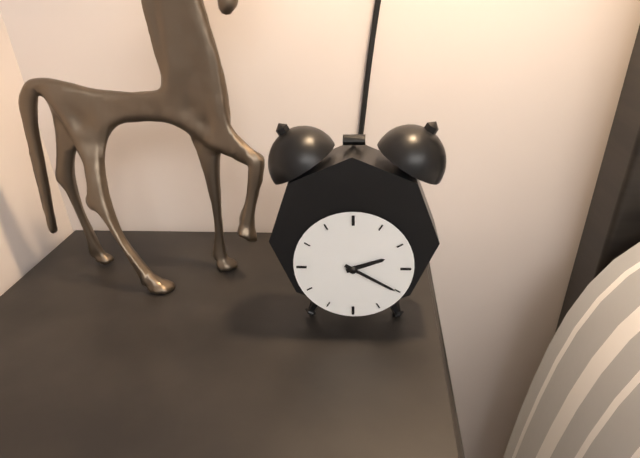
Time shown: h=2 m=20
